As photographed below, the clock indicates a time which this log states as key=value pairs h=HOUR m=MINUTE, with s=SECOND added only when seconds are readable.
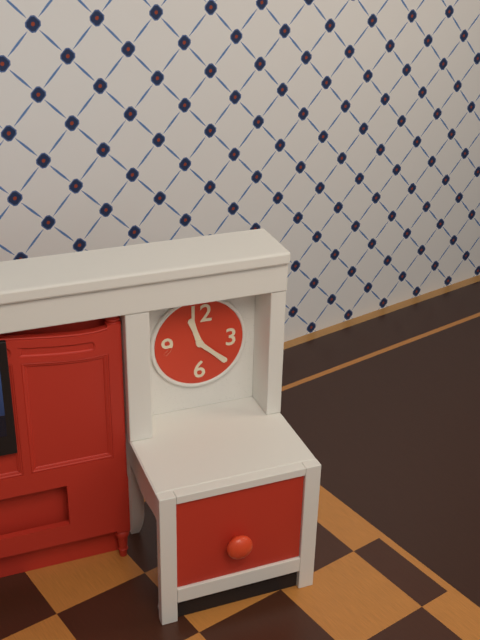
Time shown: h=11 m=22
